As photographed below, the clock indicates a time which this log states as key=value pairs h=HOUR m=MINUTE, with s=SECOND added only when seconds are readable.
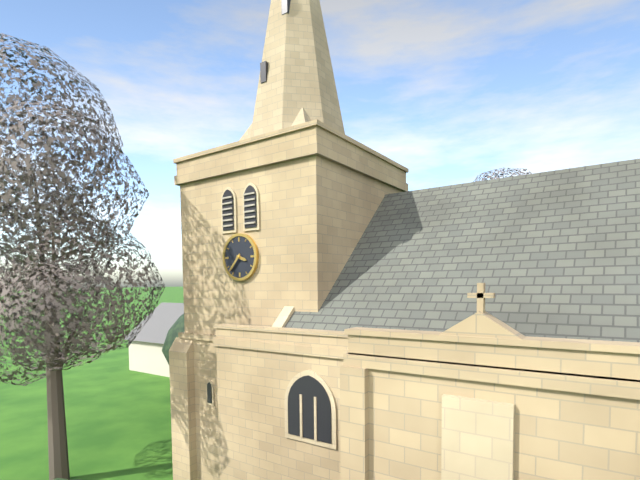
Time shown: h=3 m=37
